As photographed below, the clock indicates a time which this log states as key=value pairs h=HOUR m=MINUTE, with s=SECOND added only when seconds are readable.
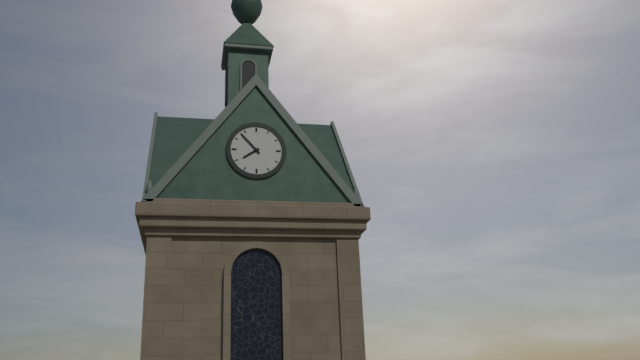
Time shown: h=7 m=53
